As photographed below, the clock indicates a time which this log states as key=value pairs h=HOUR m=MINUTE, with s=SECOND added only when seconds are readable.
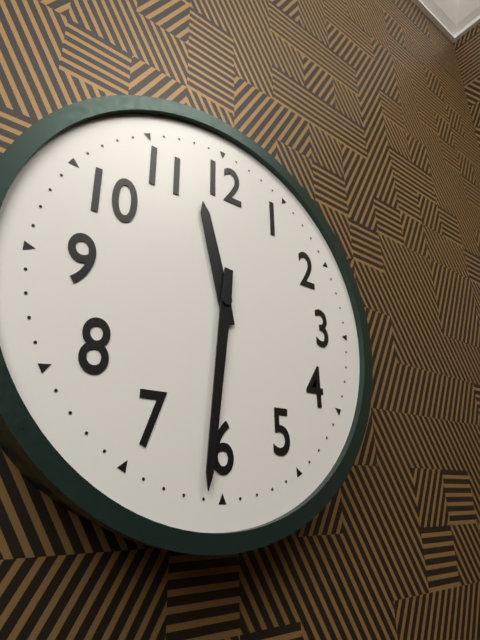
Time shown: h=11 m=31
